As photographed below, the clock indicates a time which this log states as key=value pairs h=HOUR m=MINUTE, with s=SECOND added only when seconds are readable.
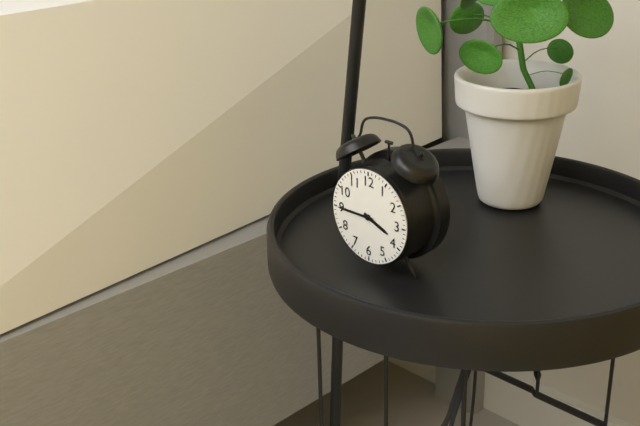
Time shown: h=3 m=45
